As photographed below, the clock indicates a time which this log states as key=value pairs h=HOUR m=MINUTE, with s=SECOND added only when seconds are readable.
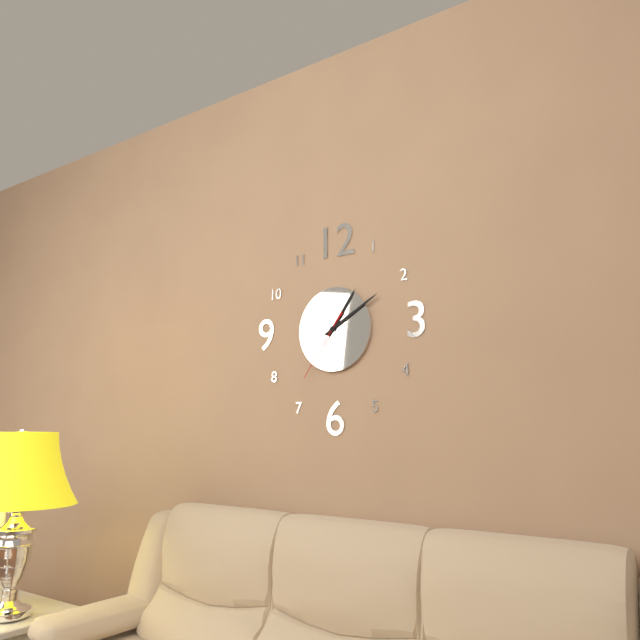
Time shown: h=1 m=10 s=36
